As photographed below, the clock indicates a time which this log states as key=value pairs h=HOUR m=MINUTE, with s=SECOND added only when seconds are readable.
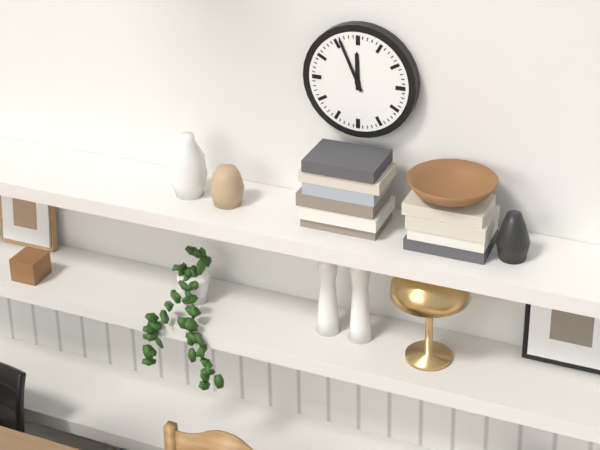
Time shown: h=11 m=56
